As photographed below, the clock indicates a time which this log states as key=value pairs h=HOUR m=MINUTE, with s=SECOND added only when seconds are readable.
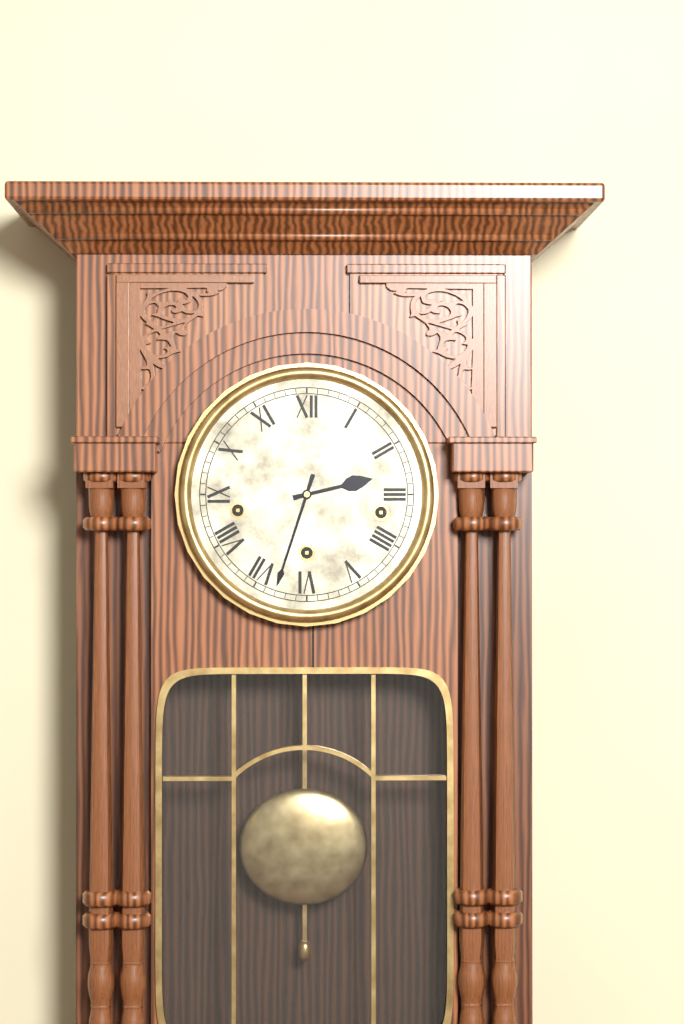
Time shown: h=2 m=33
